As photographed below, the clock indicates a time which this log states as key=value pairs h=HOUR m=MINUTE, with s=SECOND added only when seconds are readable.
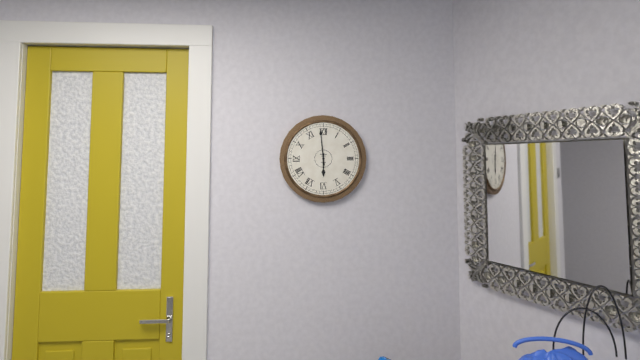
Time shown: h=5 m=59
